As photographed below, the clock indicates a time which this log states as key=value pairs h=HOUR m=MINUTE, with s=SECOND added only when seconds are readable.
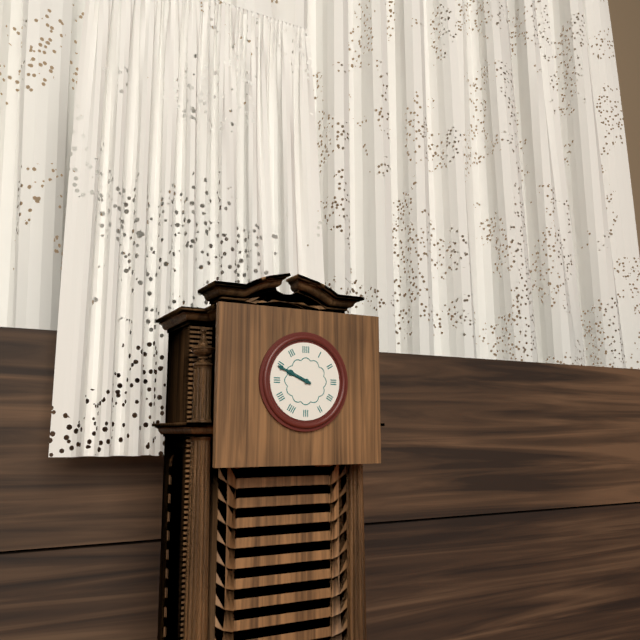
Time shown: h=9 m=49
